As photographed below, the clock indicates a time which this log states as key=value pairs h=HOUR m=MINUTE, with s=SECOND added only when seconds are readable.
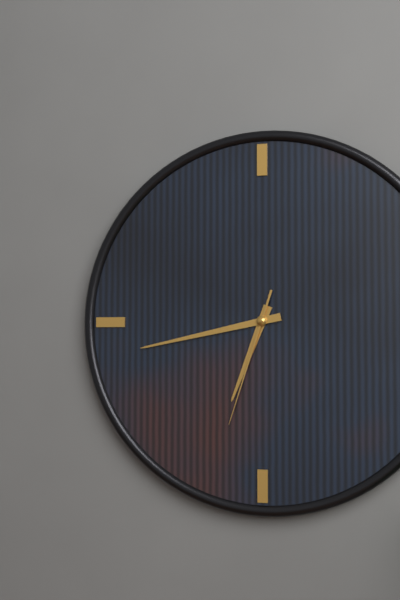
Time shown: h=6 m=43 s=33
